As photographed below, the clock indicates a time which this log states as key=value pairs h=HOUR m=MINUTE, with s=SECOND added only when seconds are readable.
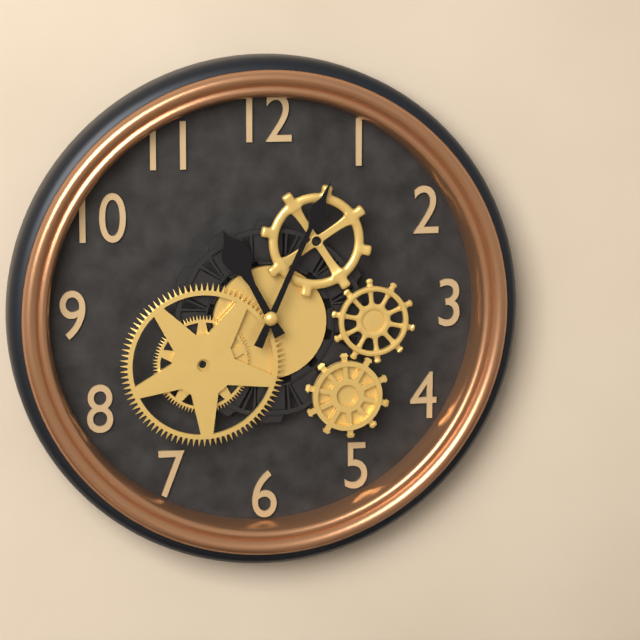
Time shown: h=11 m=4
